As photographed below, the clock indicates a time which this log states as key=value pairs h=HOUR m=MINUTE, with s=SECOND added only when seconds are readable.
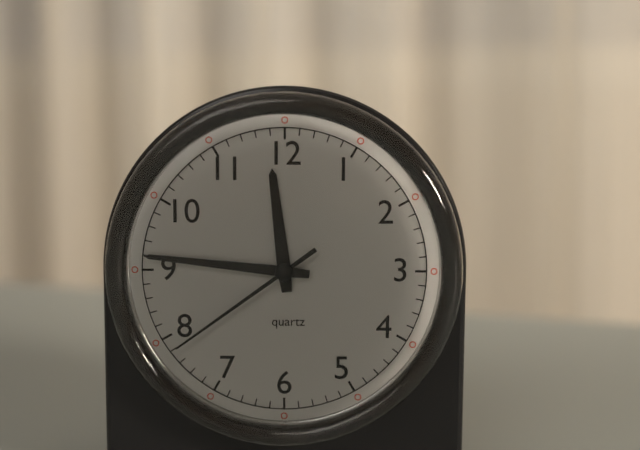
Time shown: h=11 m=46 s=39
